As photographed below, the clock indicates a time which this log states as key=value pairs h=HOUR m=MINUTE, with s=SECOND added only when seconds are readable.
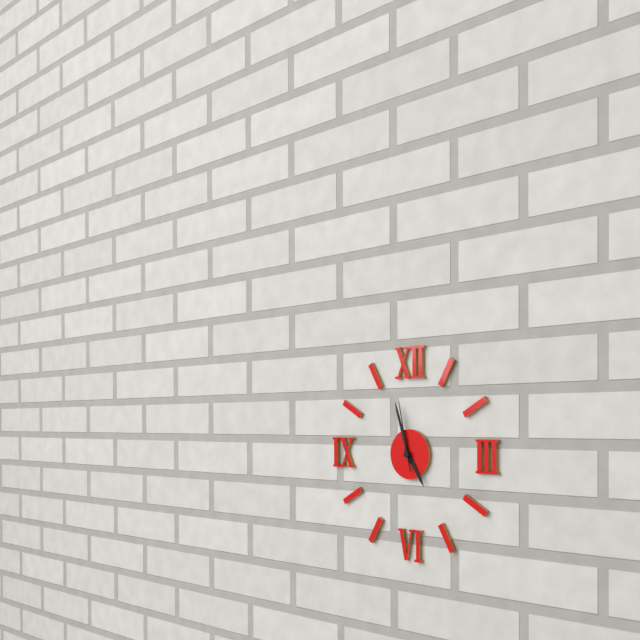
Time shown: h=4 m=57 s=58
